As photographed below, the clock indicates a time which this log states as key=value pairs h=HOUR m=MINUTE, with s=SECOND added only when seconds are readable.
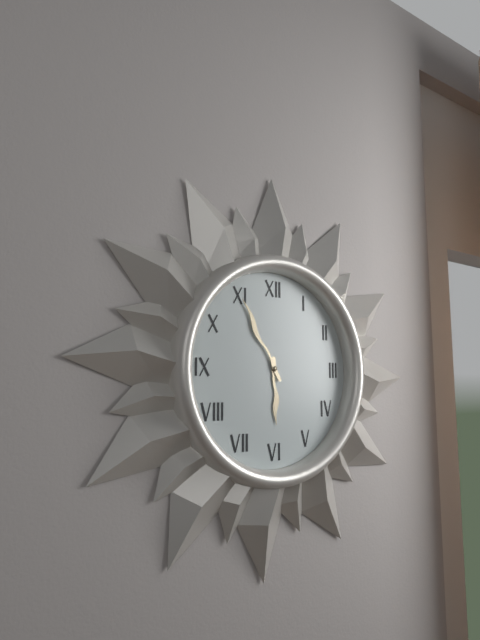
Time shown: h=5 m=55
